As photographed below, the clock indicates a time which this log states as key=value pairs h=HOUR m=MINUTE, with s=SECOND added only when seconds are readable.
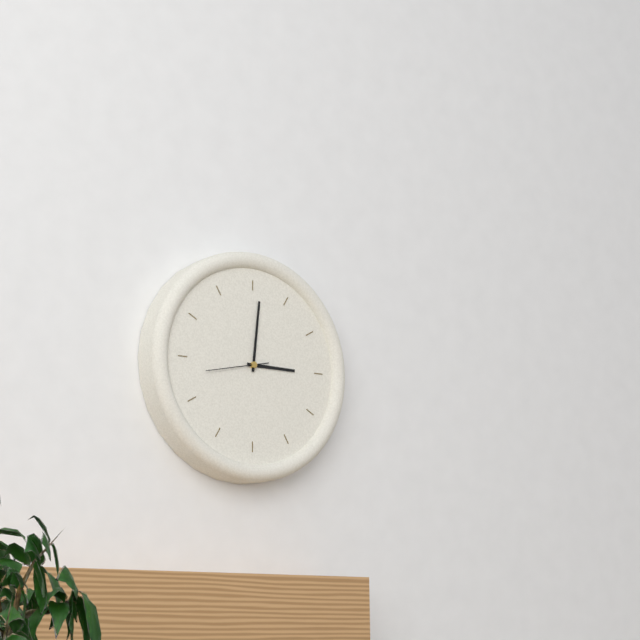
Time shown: h=3 m=1 s=43
